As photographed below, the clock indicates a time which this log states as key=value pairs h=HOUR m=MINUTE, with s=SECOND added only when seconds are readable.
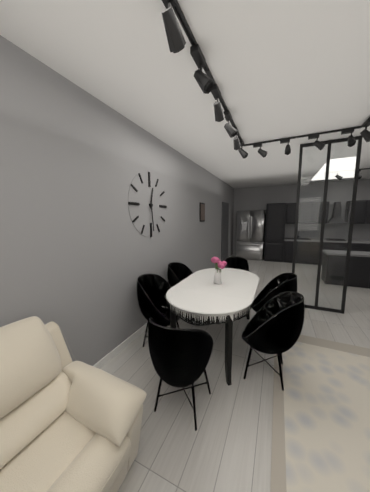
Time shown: h=12 m=29
